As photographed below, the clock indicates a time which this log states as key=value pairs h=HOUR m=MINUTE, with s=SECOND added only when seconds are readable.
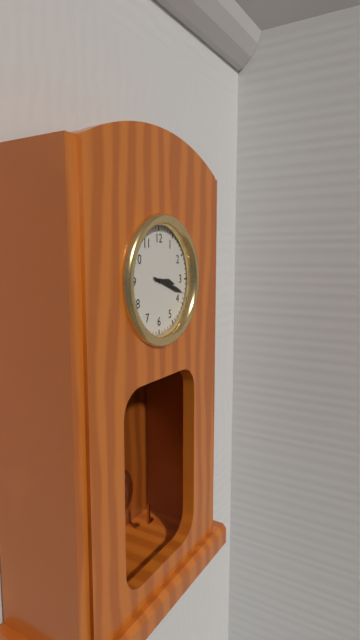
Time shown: h=3 m=18
